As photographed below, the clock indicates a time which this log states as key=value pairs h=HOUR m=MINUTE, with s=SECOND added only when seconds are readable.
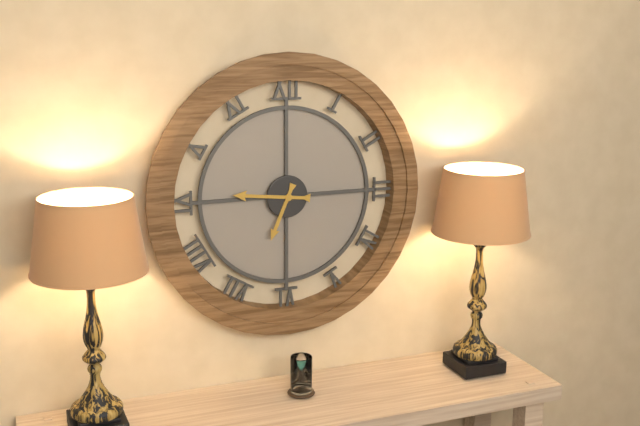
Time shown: h=6 m=46
